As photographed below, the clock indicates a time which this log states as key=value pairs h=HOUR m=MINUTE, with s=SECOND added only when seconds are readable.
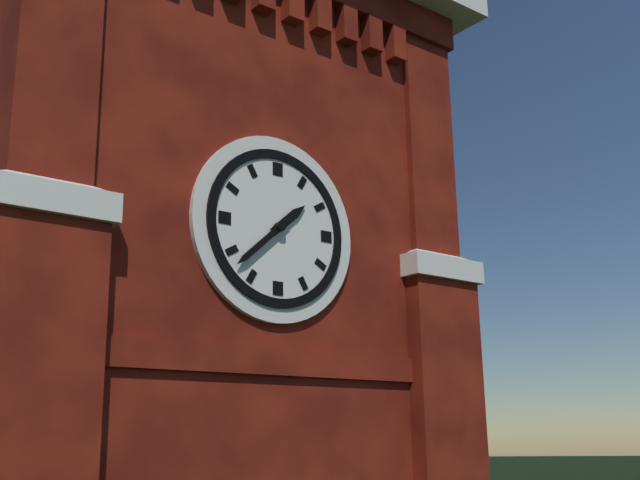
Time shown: h=1 m=38
